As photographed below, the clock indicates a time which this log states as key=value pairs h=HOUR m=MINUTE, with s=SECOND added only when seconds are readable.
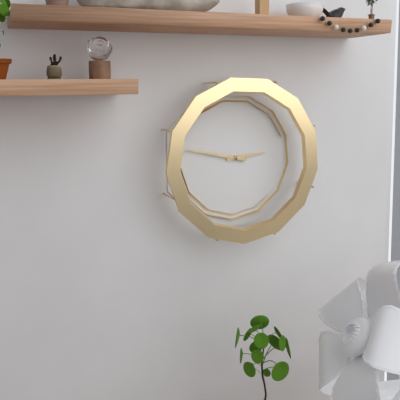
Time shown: h=2 m=47
